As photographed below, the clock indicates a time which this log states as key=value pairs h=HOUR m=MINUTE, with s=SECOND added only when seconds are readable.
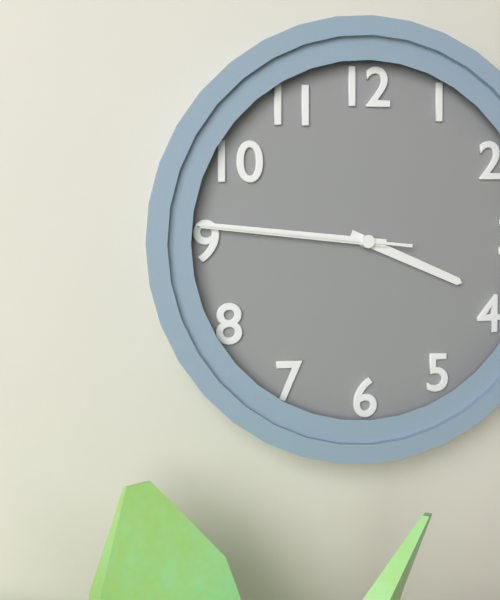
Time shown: h=3 m=46 s=46
